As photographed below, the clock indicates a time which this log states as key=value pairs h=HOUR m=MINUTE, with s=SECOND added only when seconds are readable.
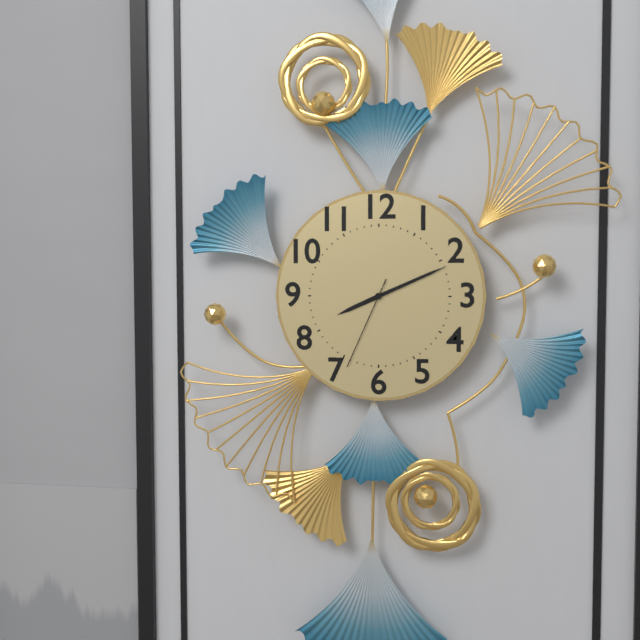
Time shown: h=8 m=11 s=34
